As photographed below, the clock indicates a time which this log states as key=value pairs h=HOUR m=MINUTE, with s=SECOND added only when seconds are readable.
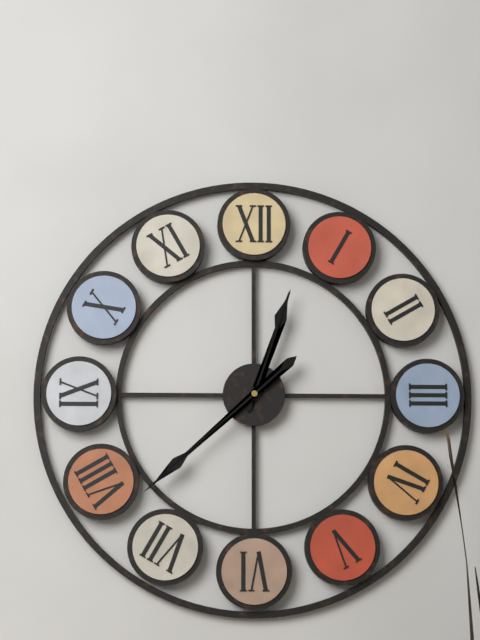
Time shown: h=12 m=38
